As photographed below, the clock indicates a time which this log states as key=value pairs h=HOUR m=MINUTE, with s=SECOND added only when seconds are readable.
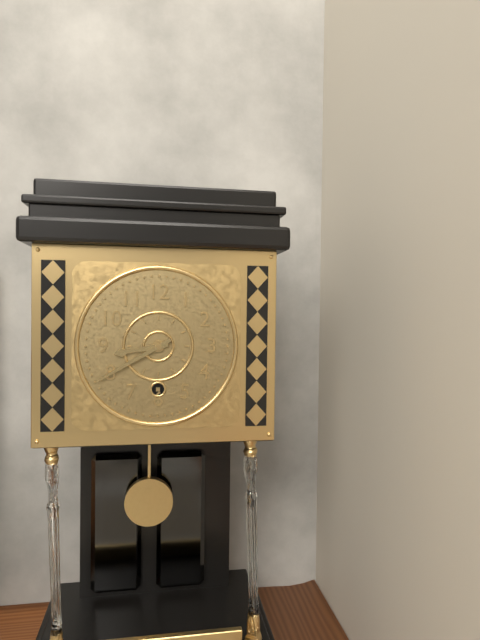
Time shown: h=8 m=40
